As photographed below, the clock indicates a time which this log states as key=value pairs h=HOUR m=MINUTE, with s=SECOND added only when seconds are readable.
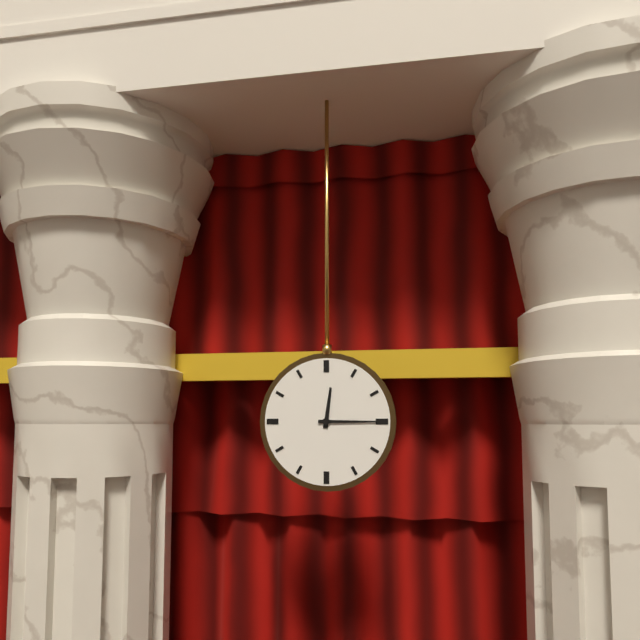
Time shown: h=12 m=15
